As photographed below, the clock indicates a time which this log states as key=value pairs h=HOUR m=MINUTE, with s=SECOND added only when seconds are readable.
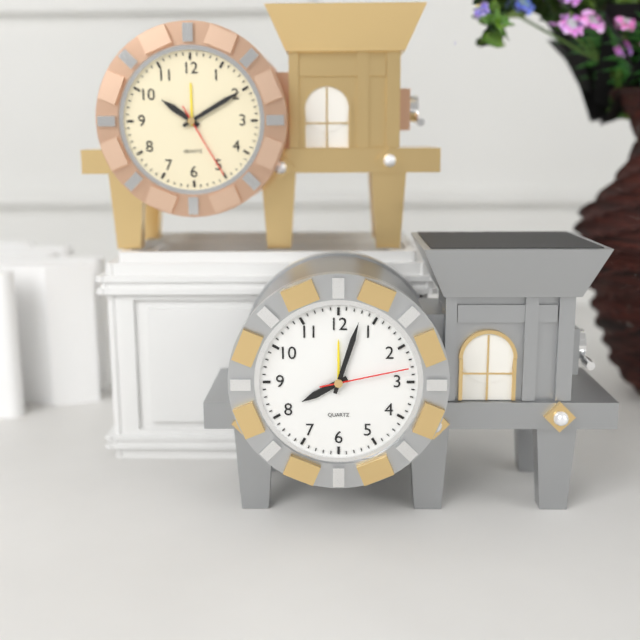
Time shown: h=8 m=3 s=13
